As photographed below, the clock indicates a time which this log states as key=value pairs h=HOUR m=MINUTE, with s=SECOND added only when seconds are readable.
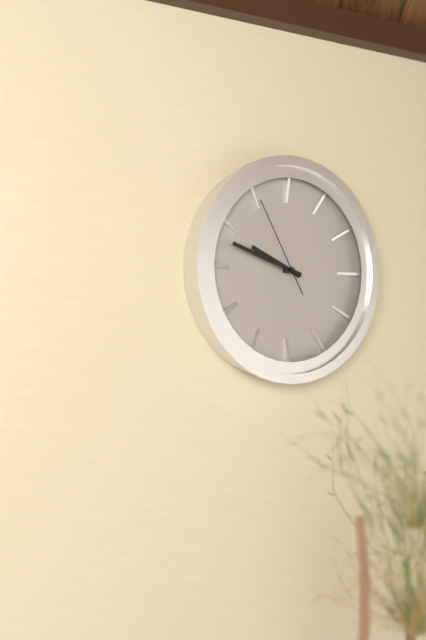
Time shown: h=9 m=48 s=55
